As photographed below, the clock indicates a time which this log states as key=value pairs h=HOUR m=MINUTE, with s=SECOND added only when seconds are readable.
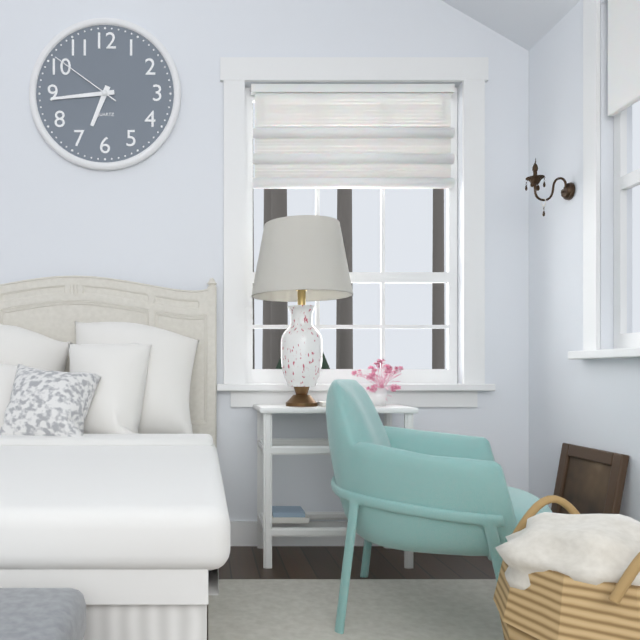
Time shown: h=6 m=44 s=51
